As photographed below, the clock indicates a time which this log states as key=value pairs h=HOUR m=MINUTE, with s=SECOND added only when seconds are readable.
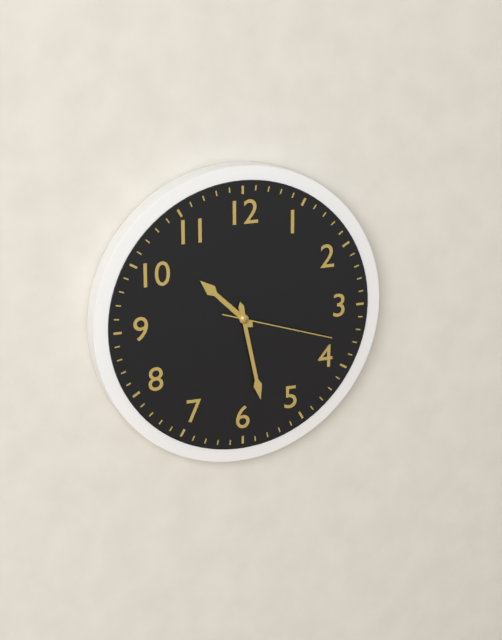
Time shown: h=10 m=28 s=18
